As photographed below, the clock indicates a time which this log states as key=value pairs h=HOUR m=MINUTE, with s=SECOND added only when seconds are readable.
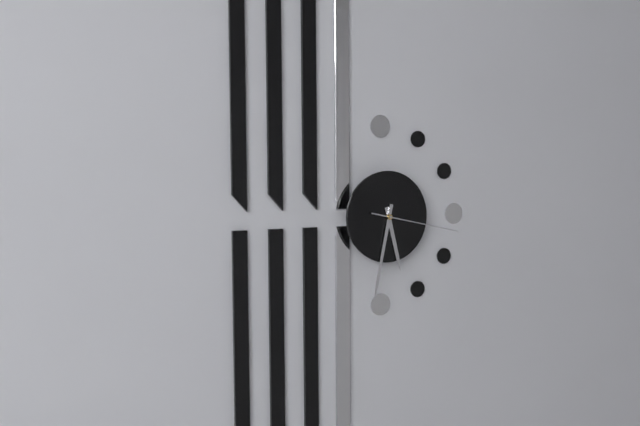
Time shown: h=5 m=32 s=17
